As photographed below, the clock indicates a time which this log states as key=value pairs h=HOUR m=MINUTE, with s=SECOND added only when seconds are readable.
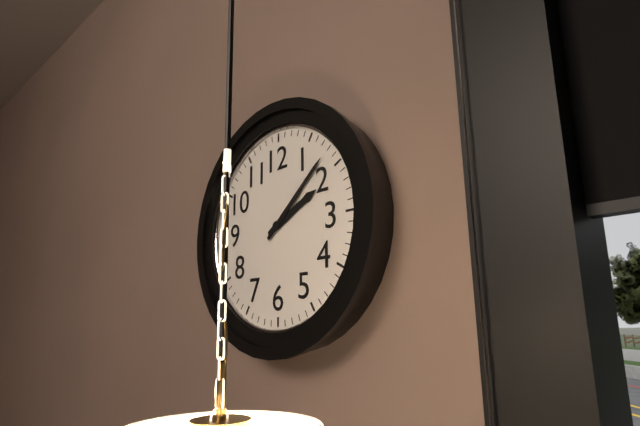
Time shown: h=2 m=8
